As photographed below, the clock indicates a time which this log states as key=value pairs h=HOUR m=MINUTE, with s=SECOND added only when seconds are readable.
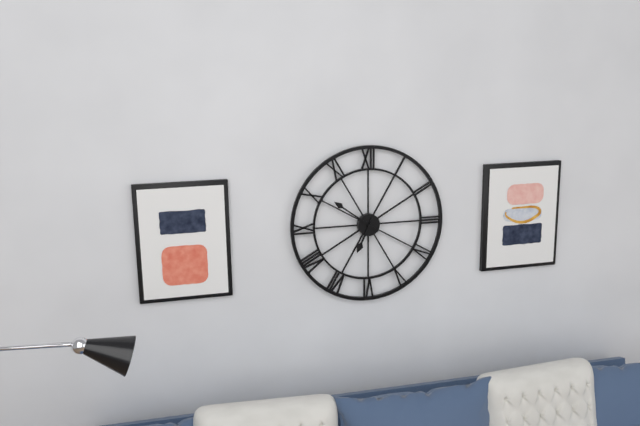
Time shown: h=6 m=51
